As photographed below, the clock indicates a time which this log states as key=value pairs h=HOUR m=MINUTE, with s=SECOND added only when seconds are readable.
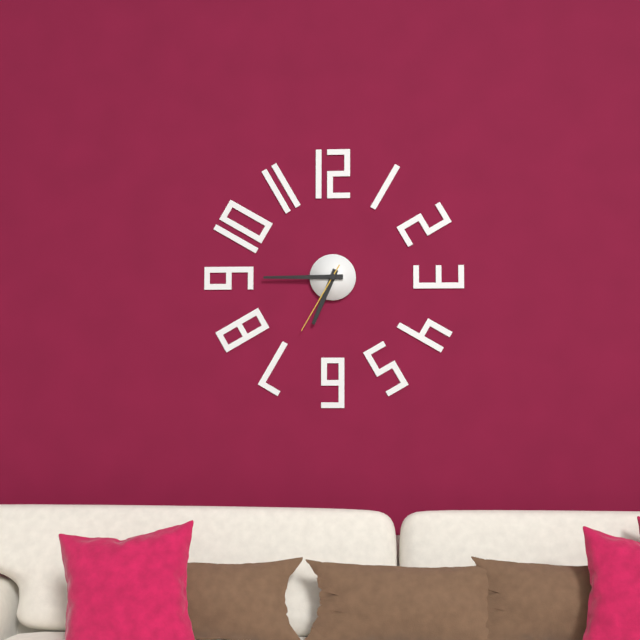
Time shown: h=6 m=45 s=35
